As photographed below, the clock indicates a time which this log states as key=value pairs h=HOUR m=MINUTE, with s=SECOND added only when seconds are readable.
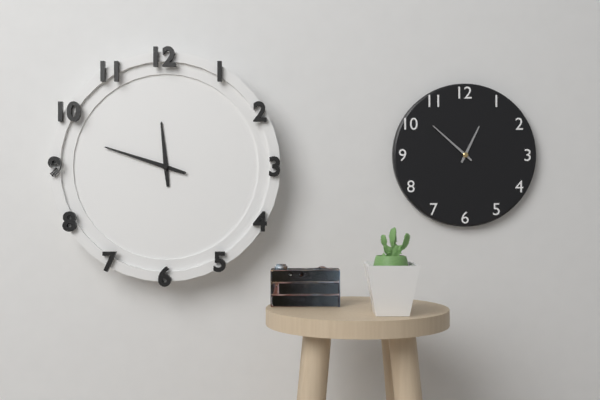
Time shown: h=11 m=48
